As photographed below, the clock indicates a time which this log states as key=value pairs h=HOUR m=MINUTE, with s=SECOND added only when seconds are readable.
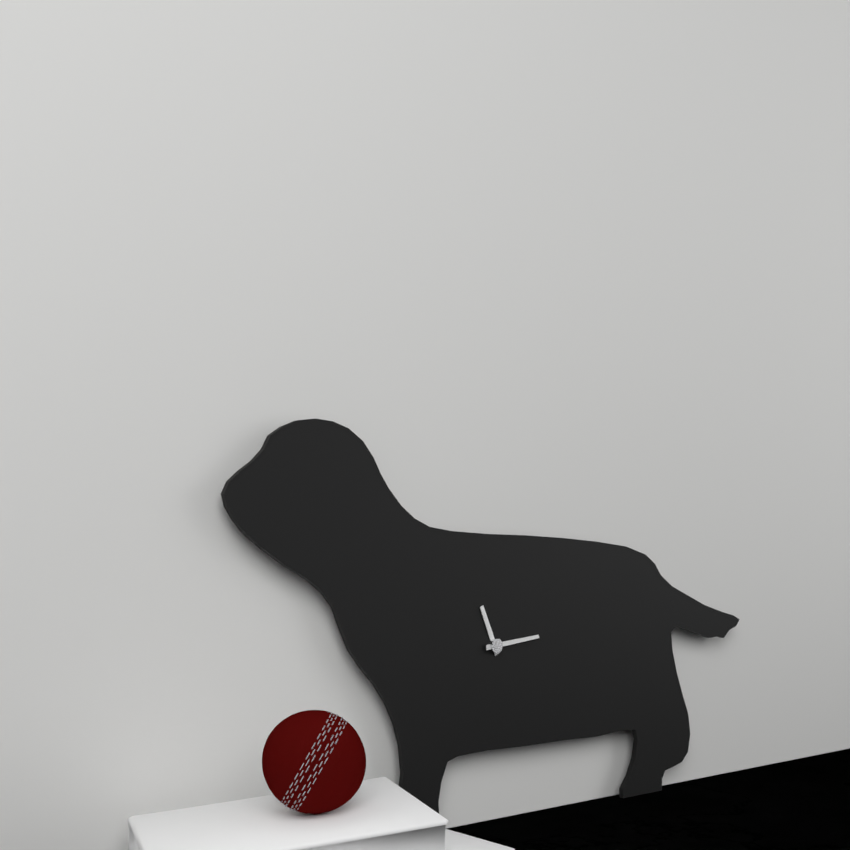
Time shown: h=11 m=14
